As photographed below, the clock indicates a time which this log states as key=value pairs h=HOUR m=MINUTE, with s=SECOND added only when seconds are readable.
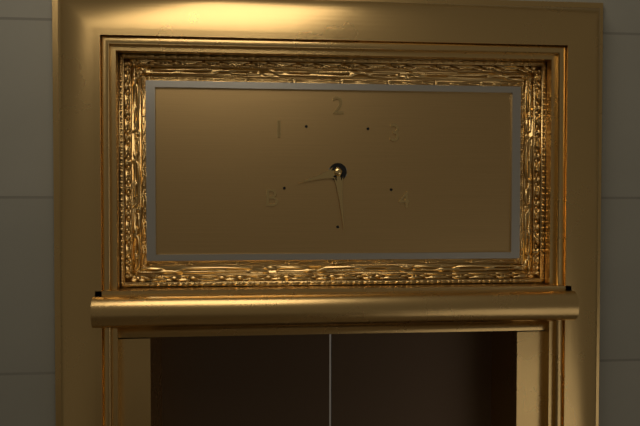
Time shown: h=8 m=29
